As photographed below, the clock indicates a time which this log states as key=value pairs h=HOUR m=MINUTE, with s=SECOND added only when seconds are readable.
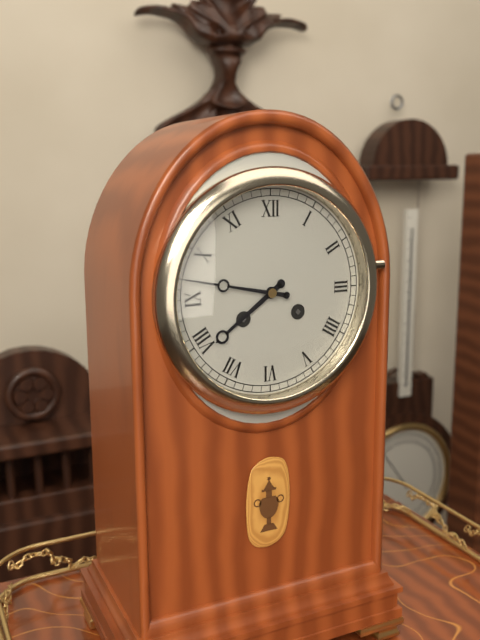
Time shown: h=7 m=47
